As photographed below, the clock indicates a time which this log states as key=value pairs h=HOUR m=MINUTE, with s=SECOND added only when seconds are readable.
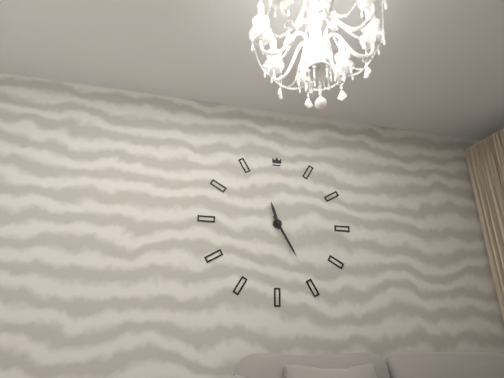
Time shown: h=11 m=25
